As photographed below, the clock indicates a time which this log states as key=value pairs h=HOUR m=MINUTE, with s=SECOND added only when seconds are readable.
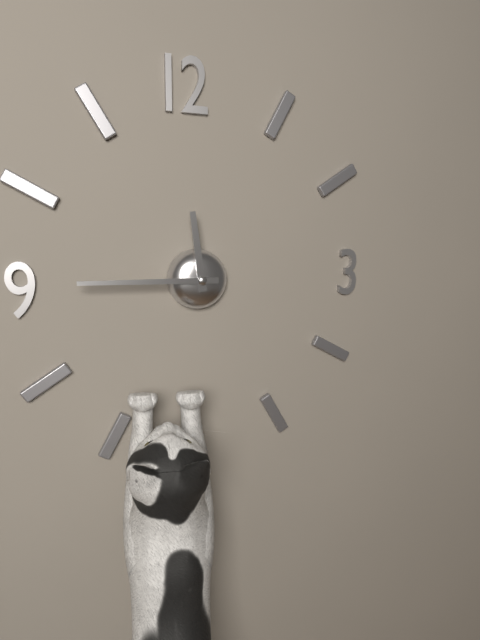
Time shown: h=11 m=45
